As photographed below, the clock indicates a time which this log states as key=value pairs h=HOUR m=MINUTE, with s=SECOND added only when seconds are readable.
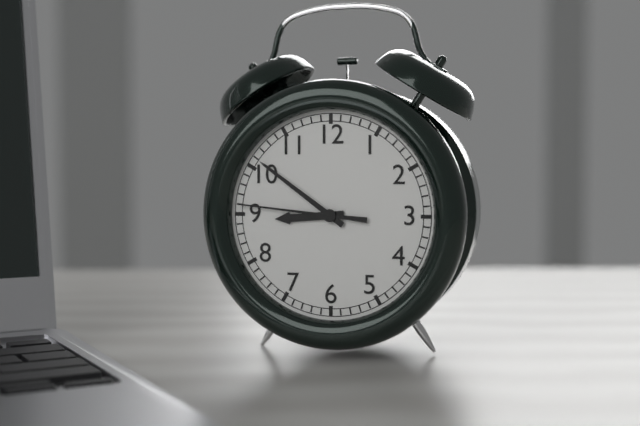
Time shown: h=8 m=51 s=46
